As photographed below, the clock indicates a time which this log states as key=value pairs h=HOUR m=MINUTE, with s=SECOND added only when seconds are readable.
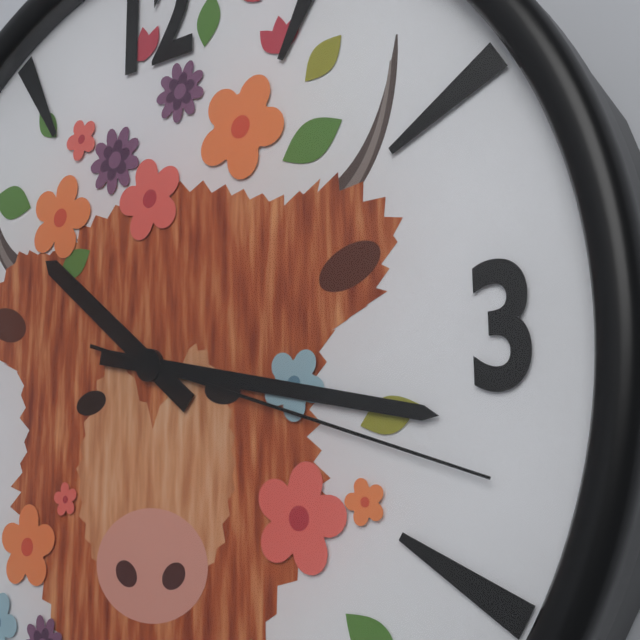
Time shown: h=10 m=17 s=18
